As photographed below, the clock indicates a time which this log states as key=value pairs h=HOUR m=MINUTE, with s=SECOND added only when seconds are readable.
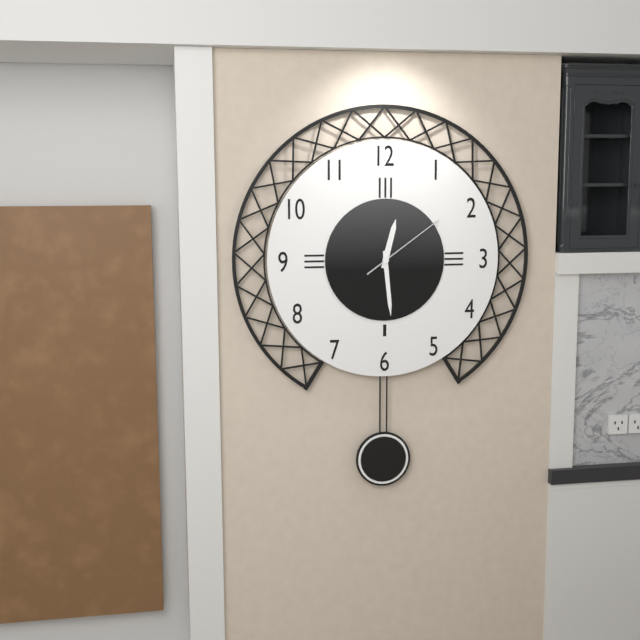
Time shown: h=12 m=29 s=9
